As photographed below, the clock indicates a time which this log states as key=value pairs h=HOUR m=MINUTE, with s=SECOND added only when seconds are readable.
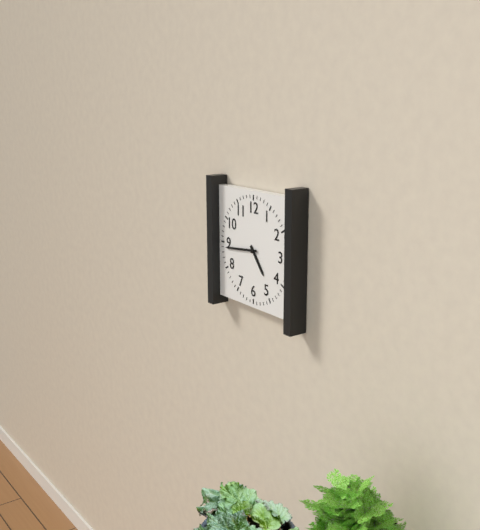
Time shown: h=4 m=44
